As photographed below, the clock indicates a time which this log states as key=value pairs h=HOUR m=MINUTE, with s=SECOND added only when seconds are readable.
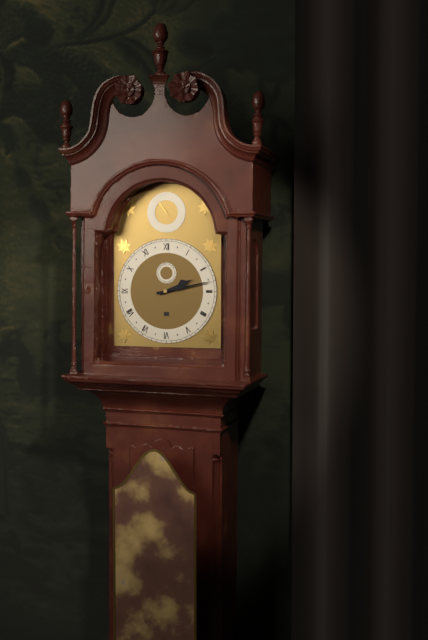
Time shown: h=2 m=13
